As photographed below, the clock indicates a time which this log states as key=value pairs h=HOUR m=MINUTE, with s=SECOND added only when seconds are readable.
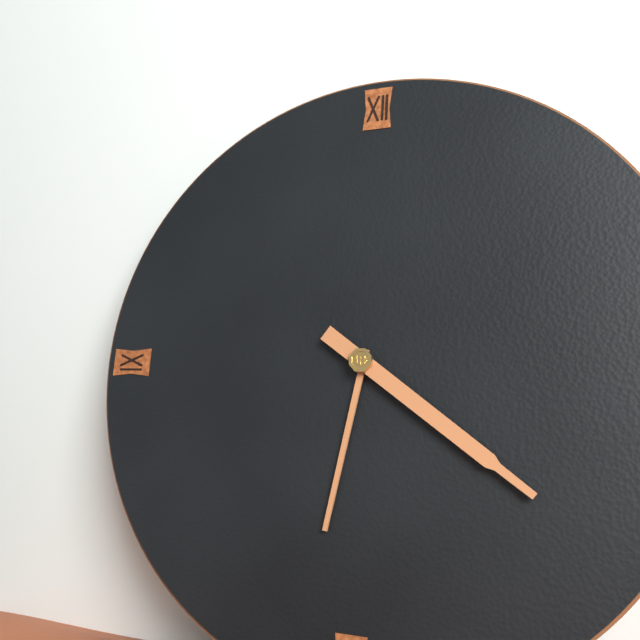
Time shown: h=6 m=21
